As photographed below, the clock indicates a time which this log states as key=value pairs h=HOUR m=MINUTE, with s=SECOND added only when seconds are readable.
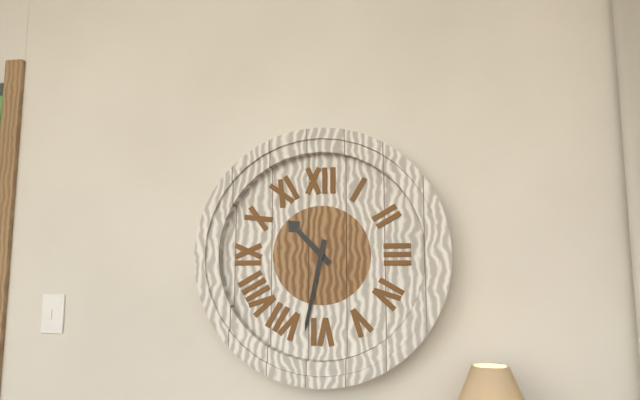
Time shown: h=10 m=32
